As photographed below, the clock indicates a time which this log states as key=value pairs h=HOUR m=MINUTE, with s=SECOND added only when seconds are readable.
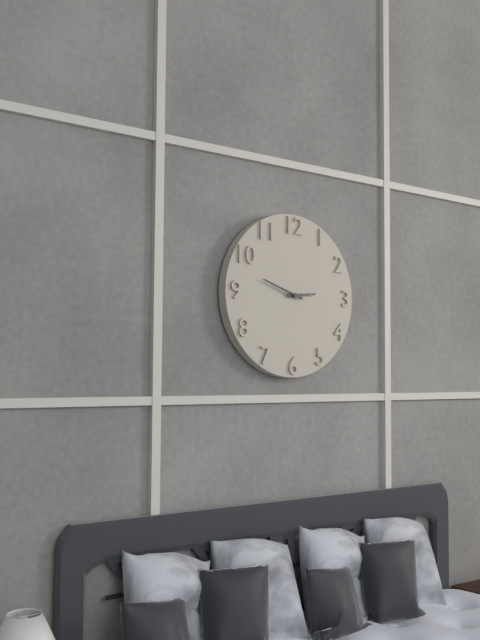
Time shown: h=2 m=48
